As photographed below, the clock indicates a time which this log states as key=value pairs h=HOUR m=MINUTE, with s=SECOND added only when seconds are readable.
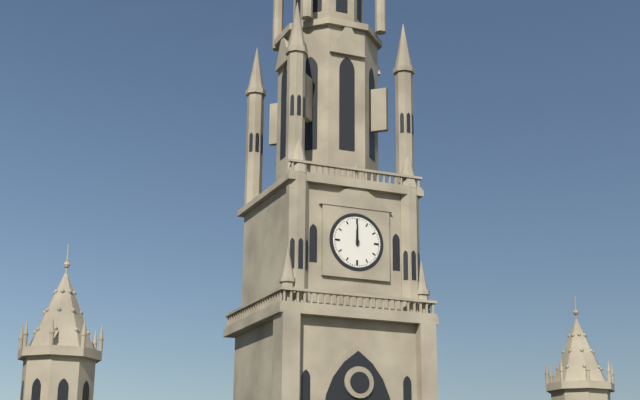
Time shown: h=12 m=0
